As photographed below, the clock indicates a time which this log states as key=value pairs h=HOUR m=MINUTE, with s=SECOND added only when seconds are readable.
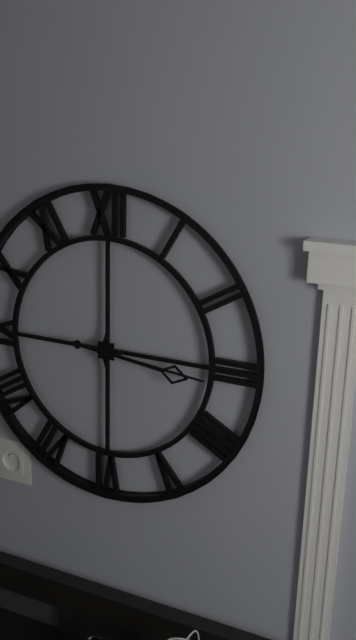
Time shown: h=3 m=16
